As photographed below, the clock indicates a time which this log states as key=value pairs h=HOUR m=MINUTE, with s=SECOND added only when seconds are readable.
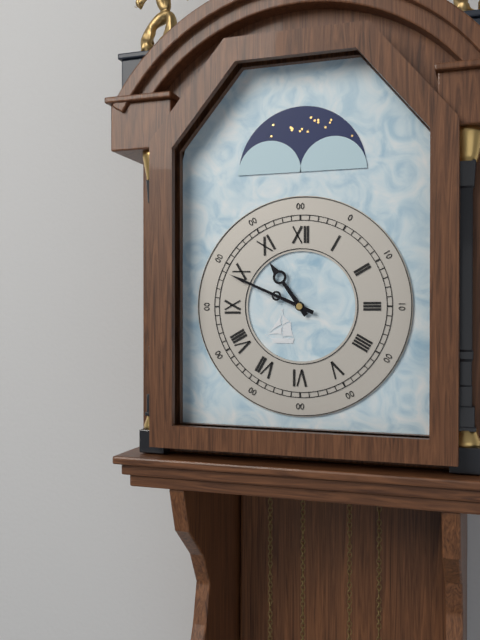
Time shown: h=10 m=49
